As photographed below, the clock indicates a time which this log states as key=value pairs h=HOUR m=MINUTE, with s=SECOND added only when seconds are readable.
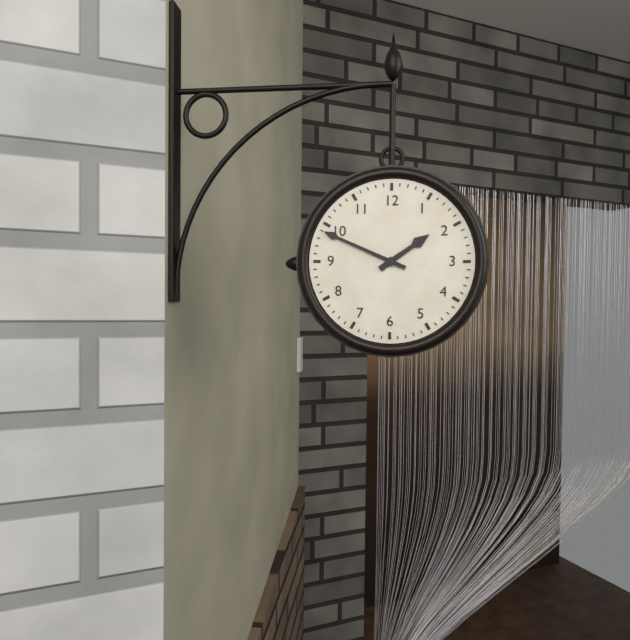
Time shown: h=1 m=49
